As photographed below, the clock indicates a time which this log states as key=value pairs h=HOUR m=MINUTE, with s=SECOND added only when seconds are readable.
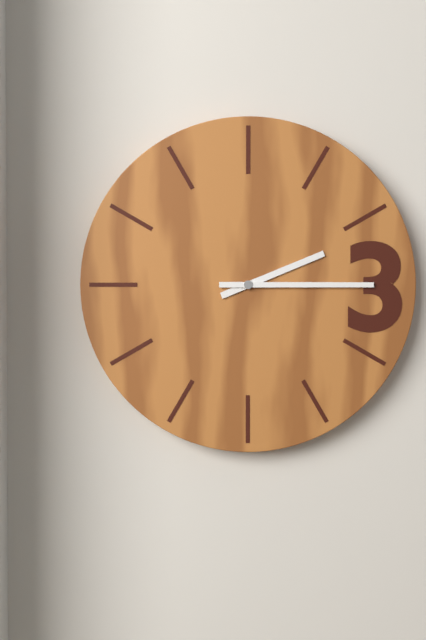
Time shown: h=2 m=15
